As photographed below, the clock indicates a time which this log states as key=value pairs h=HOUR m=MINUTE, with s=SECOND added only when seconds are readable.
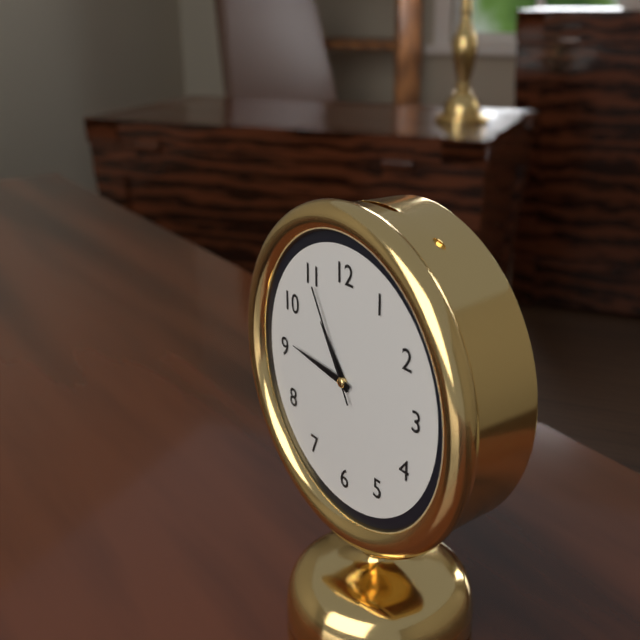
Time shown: h=10 m=46 s=55
